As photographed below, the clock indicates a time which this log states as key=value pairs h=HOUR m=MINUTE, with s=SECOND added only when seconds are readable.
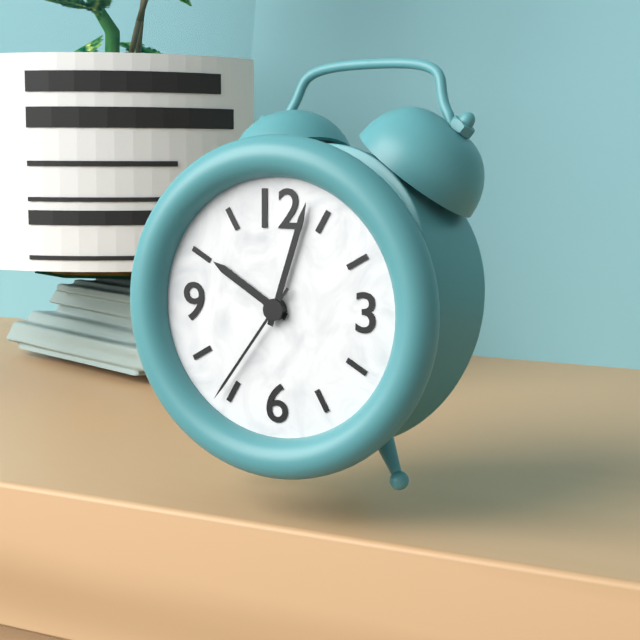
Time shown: h=10 m=3 s=36
